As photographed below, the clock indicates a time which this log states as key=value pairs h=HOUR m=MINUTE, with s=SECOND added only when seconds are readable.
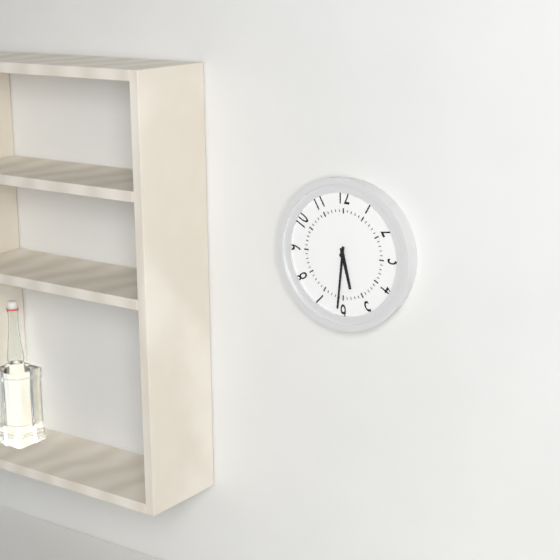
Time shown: h=5 m=31
